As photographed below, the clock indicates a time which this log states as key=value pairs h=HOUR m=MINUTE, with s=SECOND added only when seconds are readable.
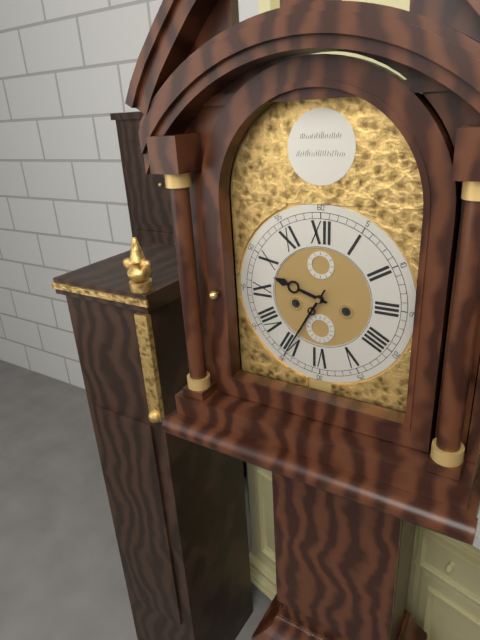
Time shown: h=9 m=35
